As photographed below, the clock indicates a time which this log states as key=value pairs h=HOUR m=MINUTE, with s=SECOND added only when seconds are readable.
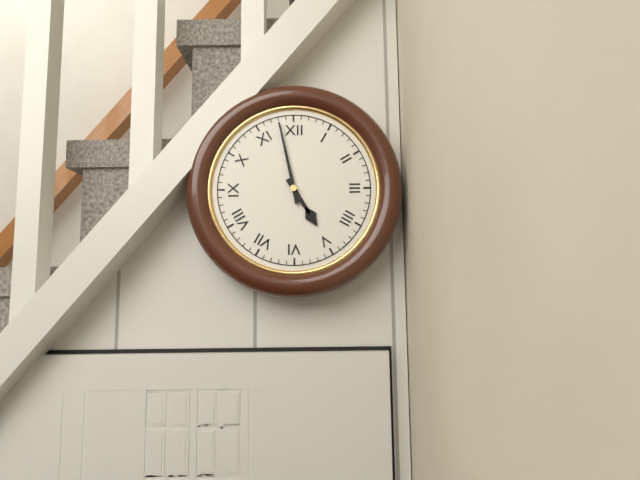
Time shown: h=4 m=58
